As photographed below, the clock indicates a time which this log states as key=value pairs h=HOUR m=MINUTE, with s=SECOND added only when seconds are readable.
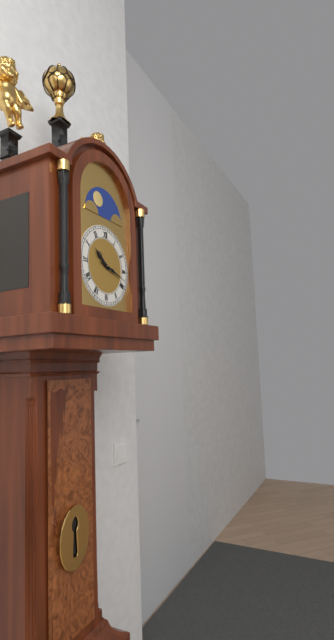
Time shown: h=10 m=18
